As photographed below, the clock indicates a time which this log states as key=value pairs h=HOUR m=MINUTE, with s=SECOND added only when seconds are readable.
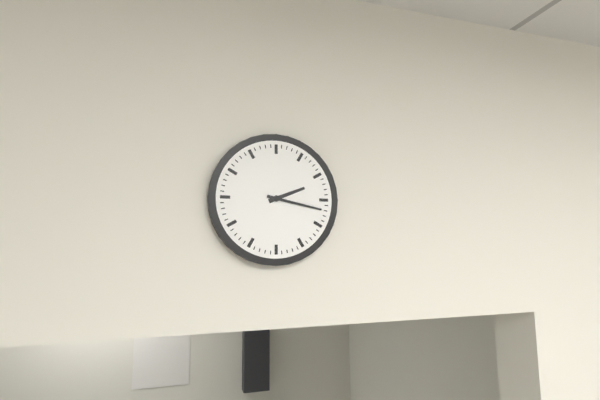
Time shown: h=2 m=17
